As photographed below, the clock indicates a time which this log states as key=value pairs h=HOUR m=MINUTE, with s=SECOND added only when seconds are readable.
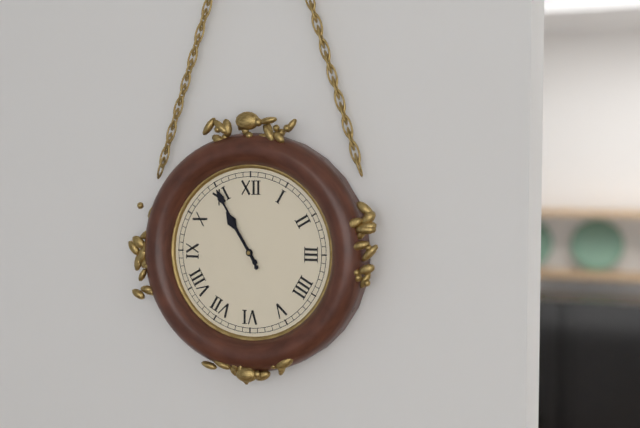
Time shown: h=10 m=55
